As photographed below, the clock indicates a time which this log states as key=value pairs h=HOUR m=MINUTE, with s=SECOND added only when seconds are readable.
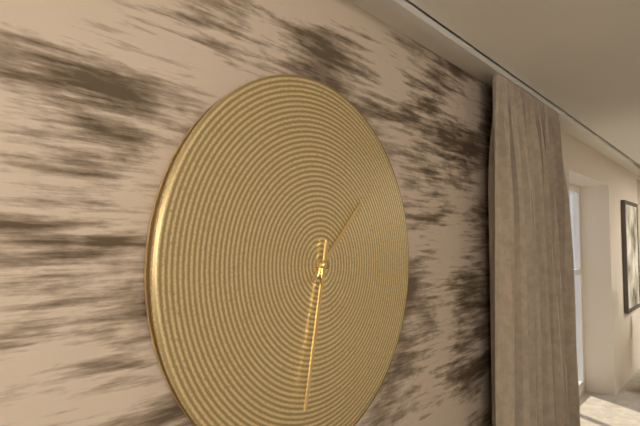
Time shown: h=1 m=32
